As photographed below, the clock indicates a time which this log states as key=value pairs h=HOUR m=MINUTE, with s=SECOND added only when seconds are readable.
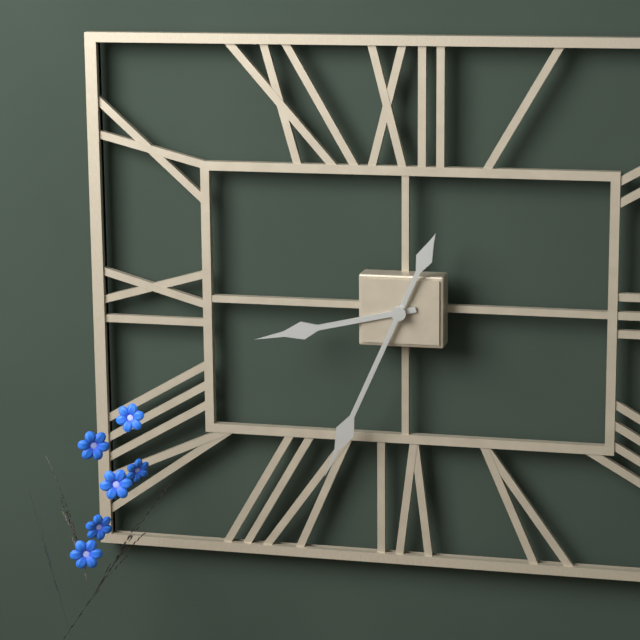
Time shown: h=8 m=34
